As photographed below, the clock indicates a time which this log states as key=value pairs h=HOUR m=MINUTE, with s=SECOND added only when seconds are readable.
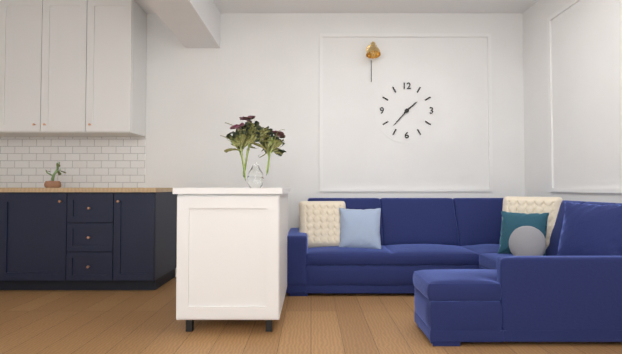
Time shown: h=1 m=37
